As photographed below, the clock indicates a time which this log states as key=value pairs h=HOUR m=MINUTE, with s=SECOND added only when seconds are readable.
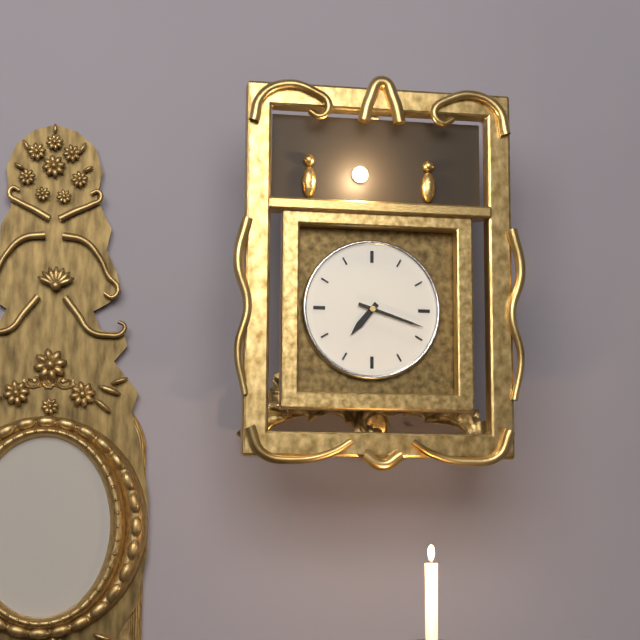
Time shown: h=7 m=18
